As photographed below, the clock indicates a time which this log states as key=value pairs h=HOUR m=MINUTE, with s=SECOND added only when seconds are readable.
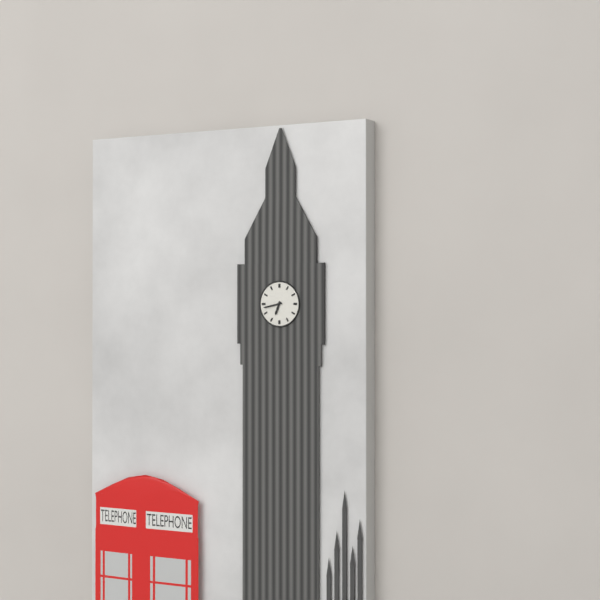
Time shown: h=6 m=43
